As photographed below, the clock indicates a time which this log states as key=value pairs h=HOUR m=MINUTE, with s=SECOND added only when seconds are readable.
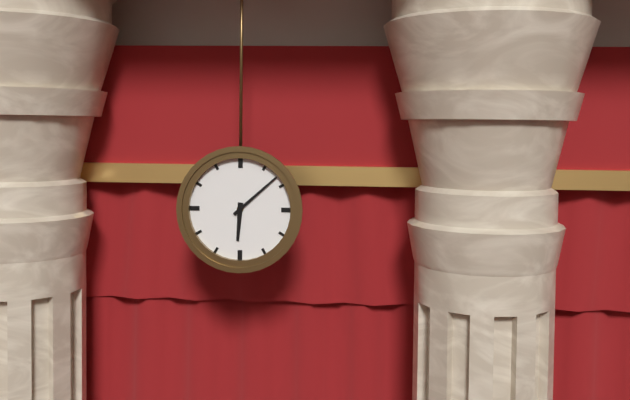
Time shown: h=6 m=8
